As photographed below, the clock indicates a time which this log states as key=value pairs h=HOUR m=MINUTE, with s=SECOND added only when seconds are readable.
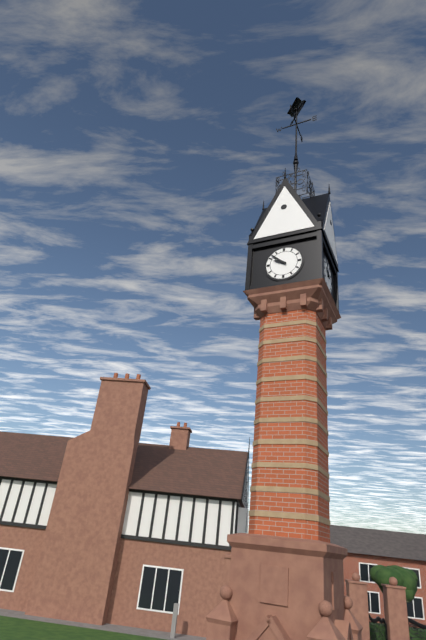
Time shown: h=9 m=52
